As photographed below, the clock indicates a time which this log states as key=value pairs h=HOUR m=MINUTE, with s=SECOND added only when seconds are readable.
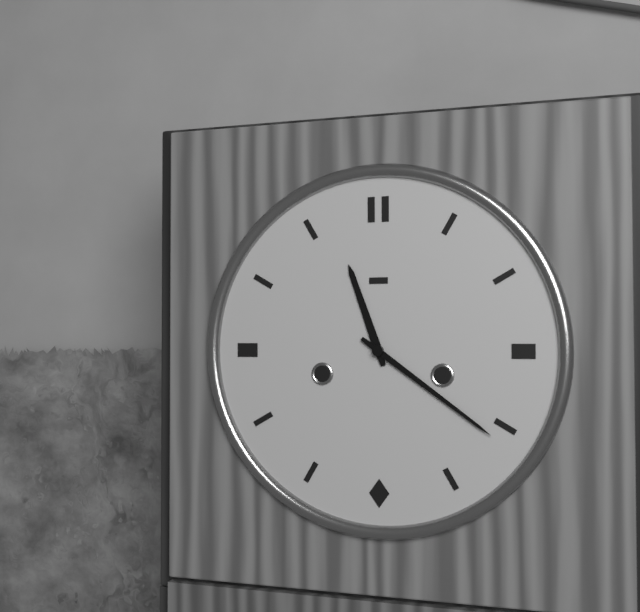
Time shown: h=11 m=21
